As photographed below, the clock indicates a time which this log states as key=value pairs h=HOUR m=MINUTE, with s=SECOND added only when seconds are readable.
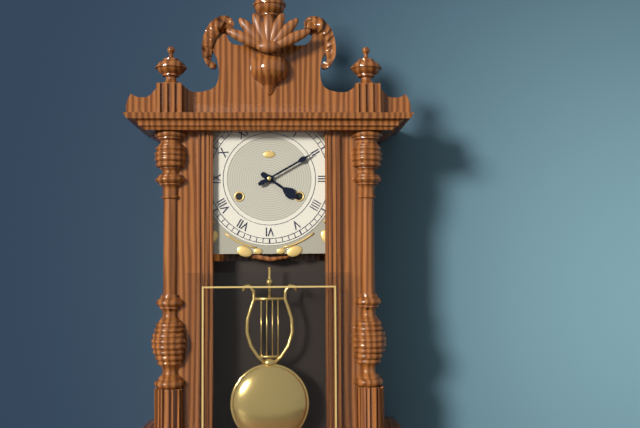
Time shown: h=4 m=10
